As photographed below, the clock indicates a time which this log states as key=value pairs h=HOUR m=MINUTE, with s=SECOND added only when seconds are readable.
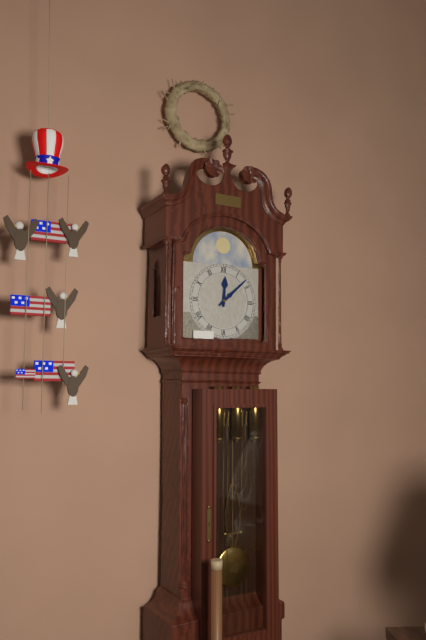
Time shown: h=12 m=8
